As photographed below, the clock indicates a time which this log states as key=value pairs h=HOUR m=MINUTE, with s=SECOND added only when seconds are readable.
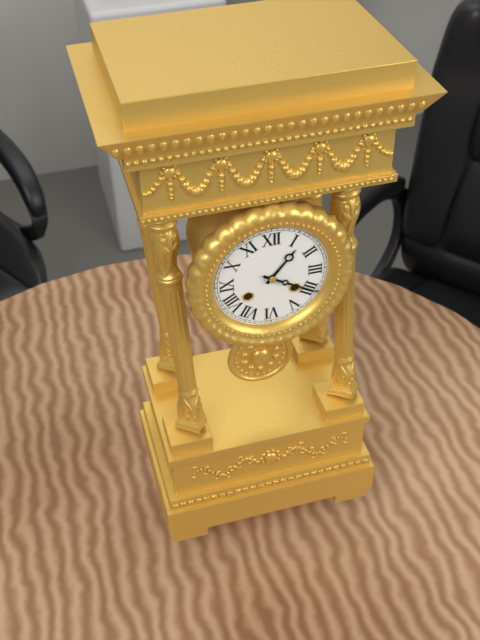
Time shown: h=1 m=20
